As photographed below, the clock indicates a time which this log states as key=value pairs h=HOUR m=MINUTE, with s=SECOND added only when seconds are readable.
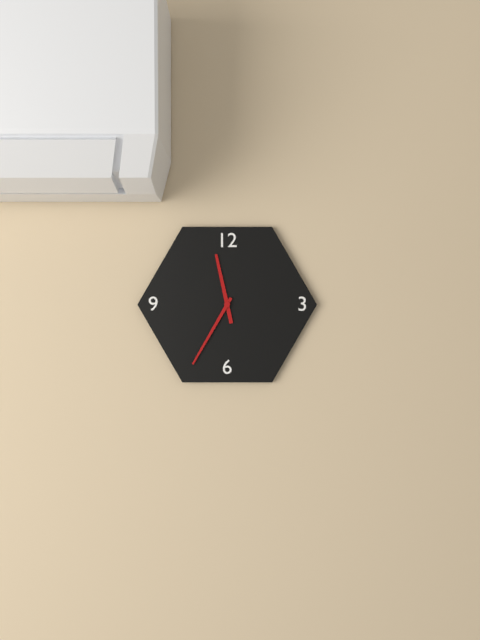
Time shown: h=11 m=35
